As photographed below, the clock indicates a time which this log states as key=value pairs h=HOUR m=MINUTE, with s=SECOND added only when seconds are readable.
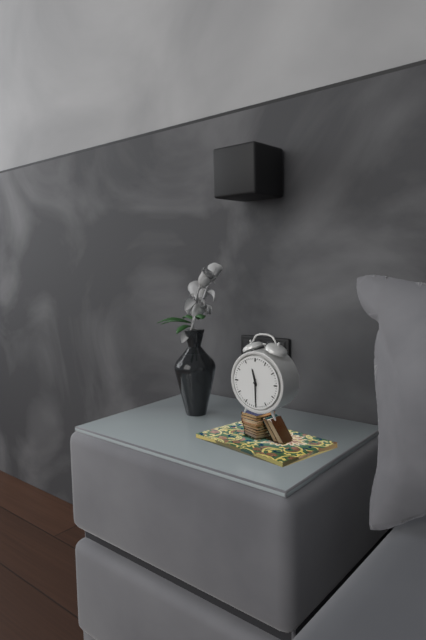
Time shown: h=11 m=30
